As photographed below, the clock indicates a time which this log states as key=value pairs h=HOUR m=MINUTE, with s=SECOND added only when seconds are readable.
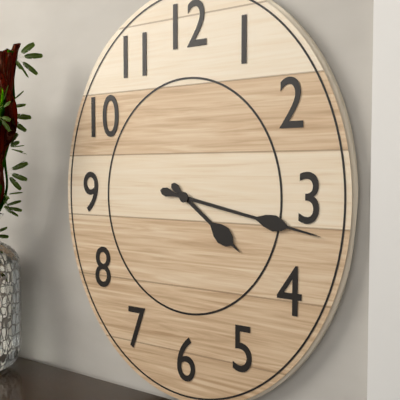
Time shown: h=4 m=17
